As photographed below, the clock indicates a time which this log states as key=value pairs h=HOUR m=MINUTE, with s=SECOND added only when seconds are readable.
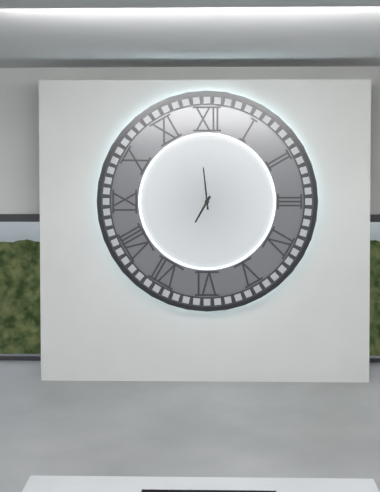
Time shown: h=6 m=59
